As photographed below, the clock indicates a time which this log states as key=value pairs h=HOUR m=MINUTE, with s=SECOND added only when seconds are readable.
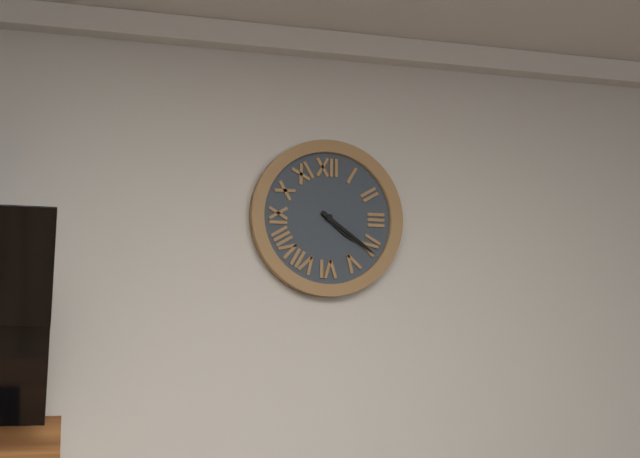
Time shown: h=4 m=21
